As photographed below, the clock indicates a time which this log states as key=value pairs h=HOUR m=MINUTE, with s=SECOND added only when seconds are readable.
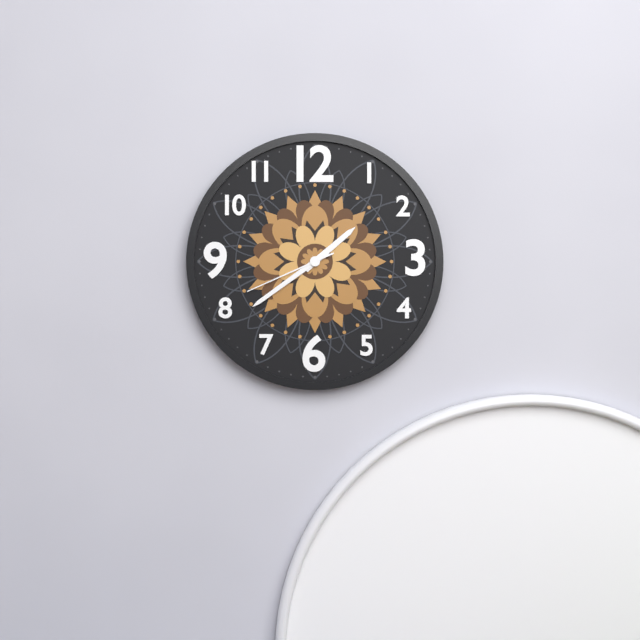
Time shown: h=1 m=39 s=41
